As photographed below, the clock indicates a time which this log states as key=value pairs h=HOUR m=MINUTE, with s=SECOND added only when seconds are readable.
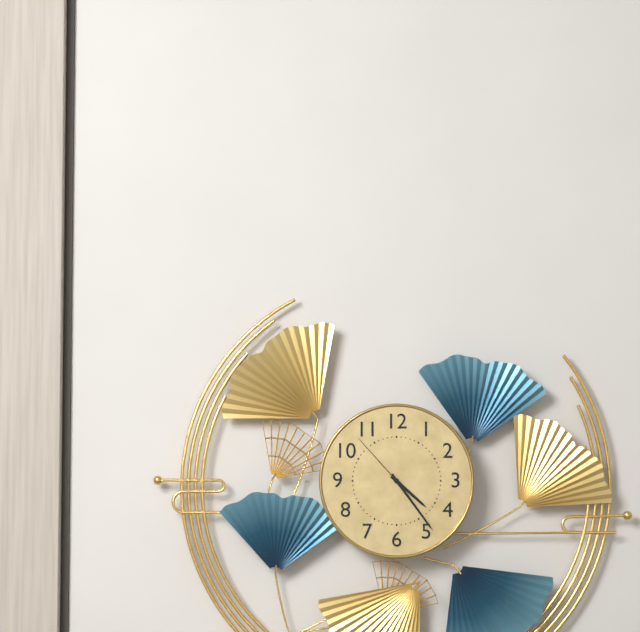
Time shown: h=4 m=24 s=53
